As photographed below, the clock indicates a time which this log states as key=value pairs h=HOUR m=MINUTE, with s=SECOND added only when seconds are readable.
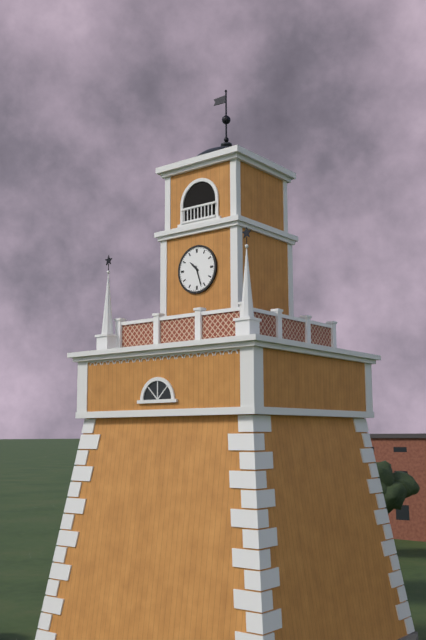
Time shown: h=10 m=27
